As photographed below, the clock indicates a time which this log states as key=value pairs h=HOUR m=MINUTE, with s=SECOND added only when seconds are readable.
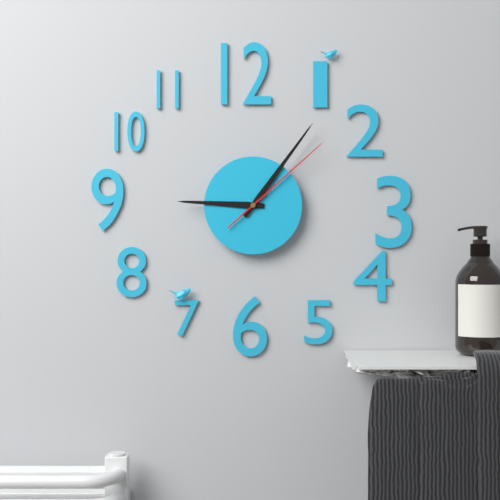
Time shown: h=9 m=6 s=8
